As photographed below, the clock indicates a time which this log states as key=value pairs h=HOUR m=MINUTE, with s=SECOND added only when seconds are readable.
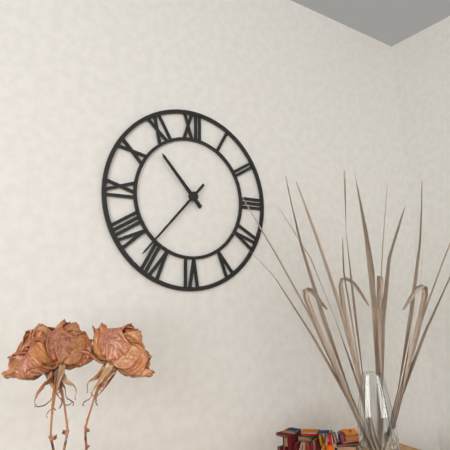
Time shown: h=10 m=37
